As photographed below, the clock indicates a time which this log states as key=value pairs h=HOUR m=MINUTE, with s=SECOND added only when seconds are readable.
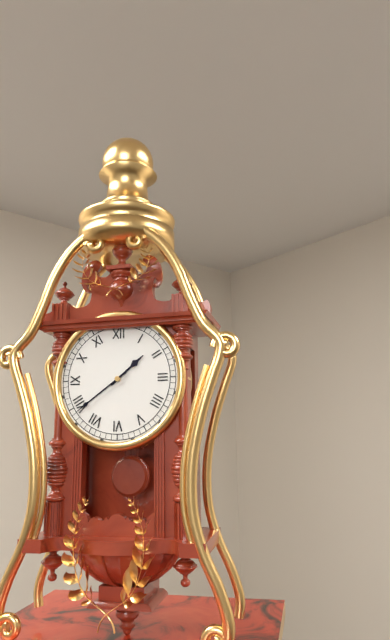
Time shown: h=1 m=39
